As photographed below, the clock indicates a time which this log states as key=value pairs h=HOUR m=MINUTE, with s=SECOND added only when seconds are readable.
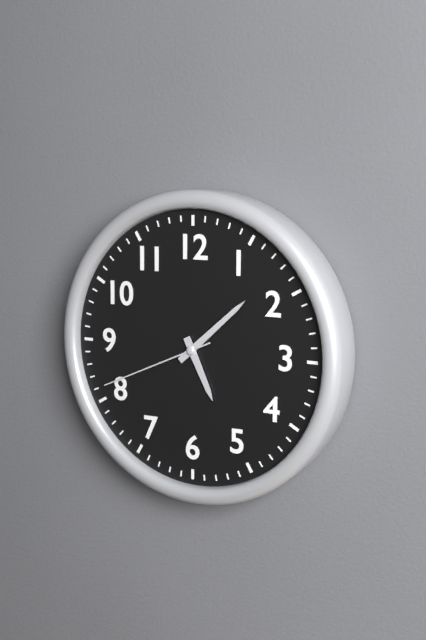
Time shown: h=5 m=8 s=41
